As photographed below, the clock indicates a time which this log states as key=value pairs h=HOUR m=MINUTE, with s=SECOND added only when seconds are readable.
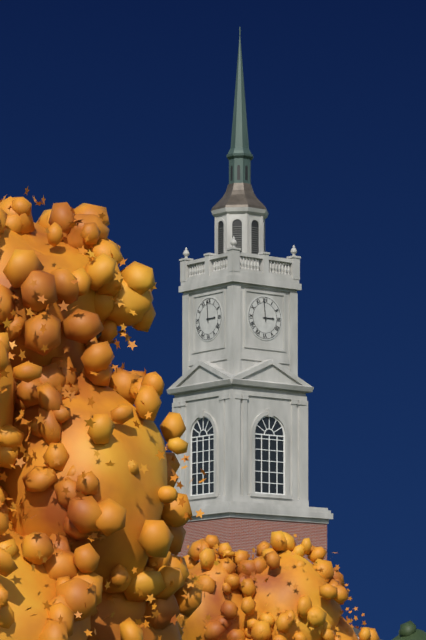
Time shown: h=2 m=59
